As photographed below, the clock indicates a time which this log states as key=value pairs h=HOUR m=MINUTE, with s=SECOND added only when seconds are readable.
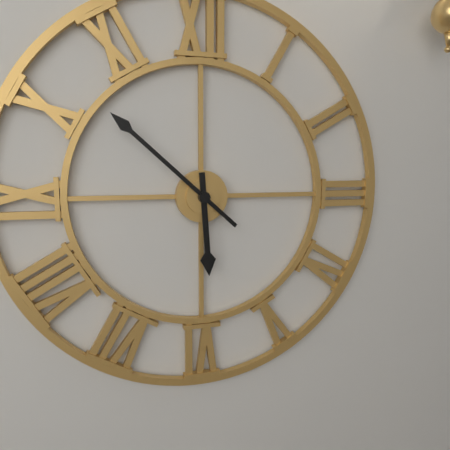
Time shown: h=5 m=52
